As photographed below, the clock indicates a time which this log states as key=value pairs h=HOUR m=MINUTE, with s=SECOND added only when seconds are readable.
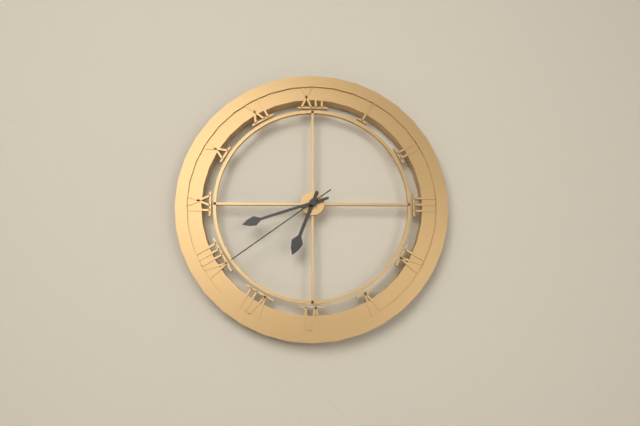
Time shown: h=6 m=42 s=39
